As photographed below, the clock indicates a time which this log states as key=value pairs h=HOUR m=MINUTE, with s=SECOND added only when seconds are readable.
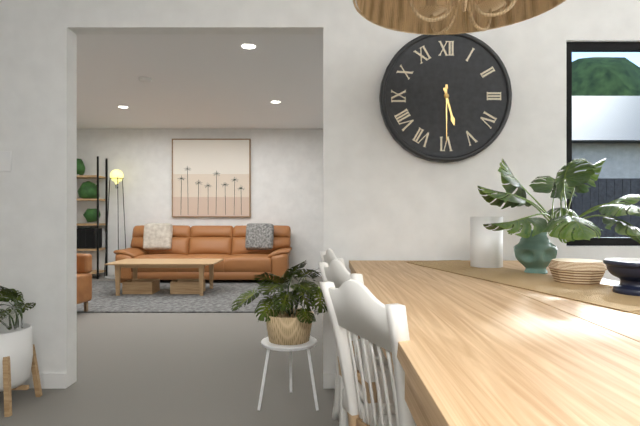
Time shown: h=5 m=30
